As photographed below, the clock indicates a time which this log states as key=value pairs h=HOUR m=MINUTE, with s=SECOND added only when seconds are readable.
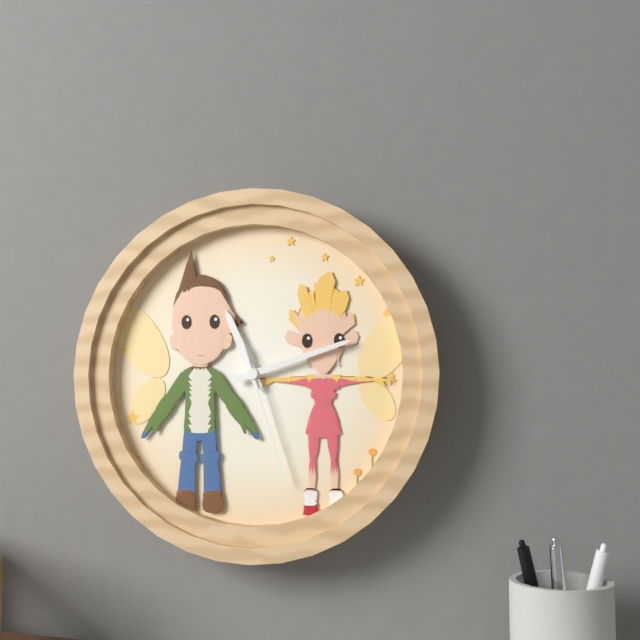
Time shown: h=11 m=12 s=27
